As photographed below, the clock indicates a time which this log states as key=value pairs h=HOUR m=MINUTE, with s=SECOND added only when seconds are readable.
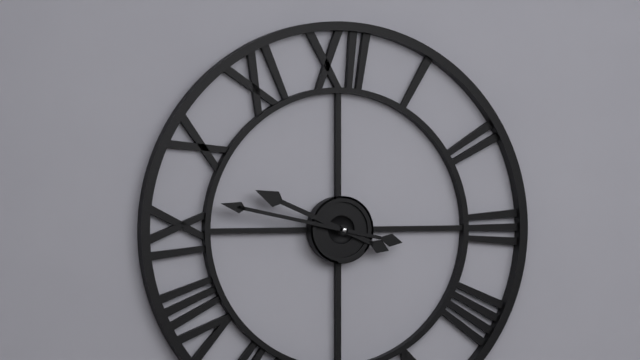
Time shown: h=9 m=47
